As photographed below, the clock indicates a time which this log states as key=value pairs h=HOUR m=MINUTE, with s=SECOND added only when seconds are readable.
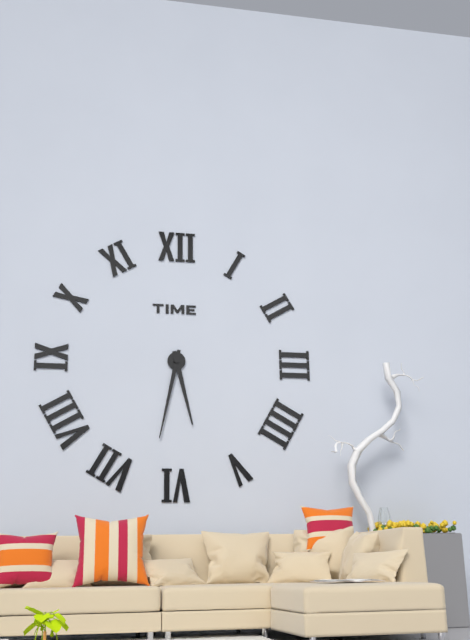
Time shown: h=5 m=32
